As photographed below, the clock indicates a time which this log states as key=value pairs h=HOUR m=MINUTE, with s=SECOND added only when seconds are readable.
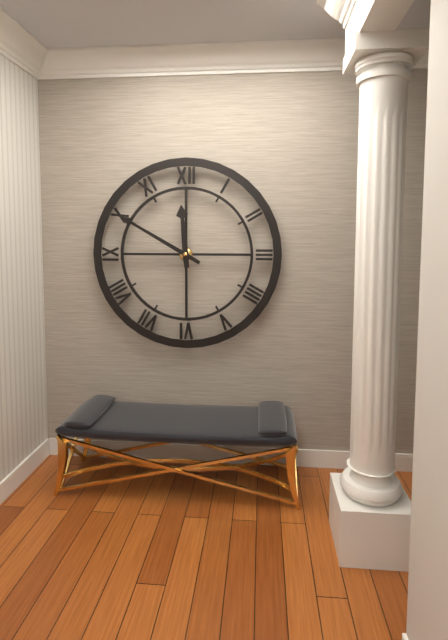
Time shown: h=11 m=50
